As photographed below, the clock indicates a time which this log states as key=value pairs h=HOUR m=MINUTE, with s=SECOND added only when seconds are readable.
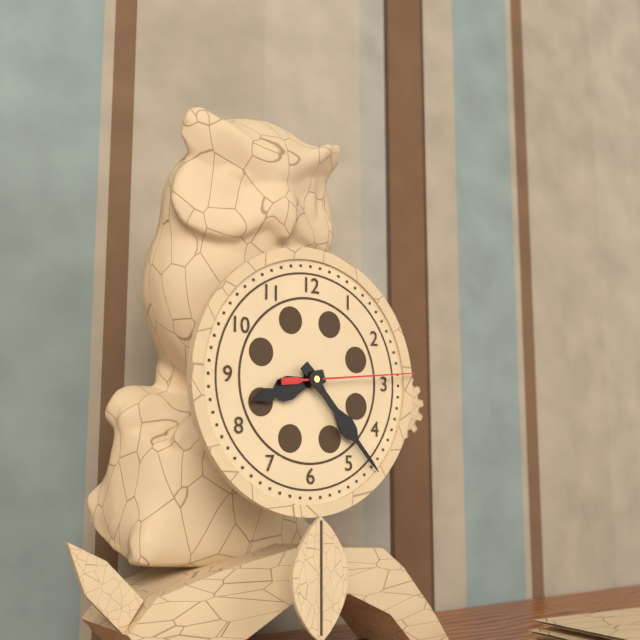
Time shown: h=8 m=23 s=14
